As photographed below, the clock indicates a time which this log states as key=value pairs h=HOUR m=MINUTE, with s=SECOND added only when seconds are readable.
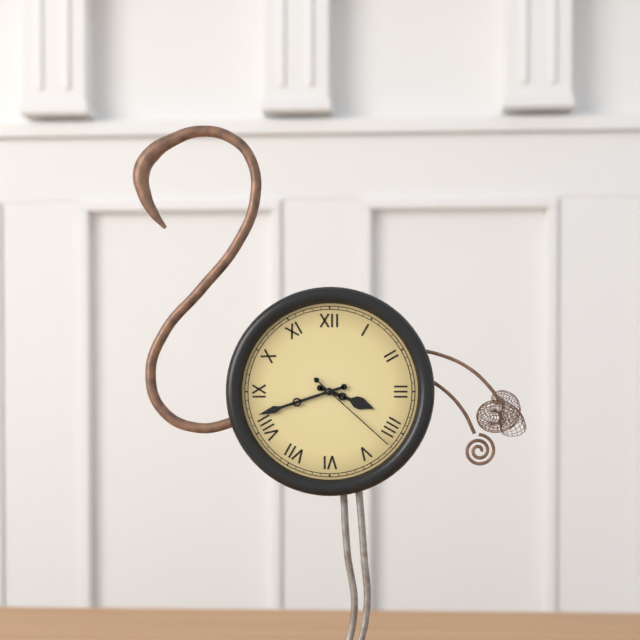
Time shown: h=3 m=42 s=22
